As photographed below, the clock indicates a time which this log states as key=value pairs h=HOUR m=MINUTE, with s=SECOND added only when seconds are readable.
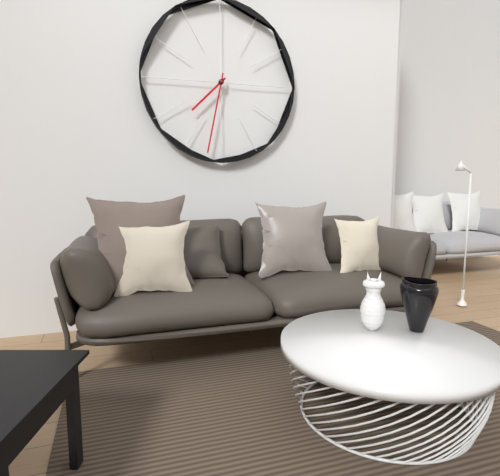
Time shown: h=7 m=32
